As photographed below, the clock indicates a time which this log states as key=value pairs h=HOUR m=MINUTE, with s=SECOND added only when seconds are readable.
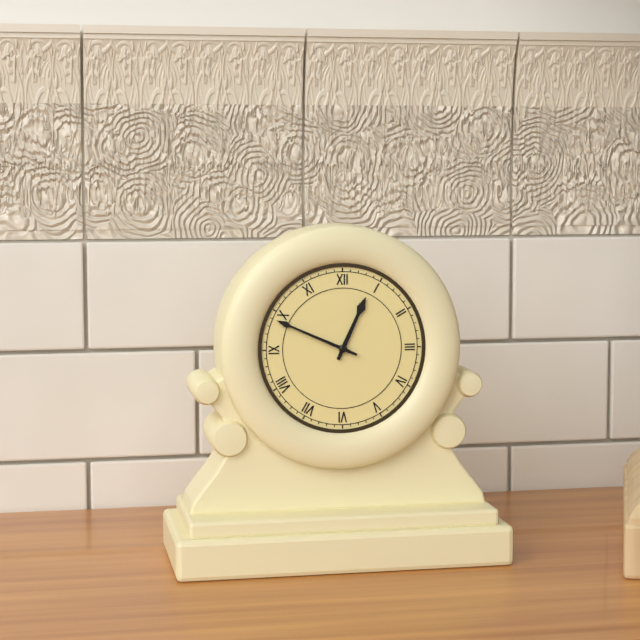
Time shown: h=12 m=49
